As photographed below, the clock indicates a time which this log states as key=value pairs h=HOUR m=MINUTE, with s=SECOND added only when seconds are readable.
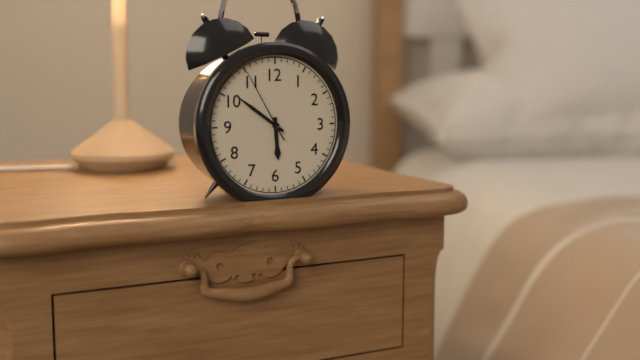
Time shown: h=5 m=51 s=55
